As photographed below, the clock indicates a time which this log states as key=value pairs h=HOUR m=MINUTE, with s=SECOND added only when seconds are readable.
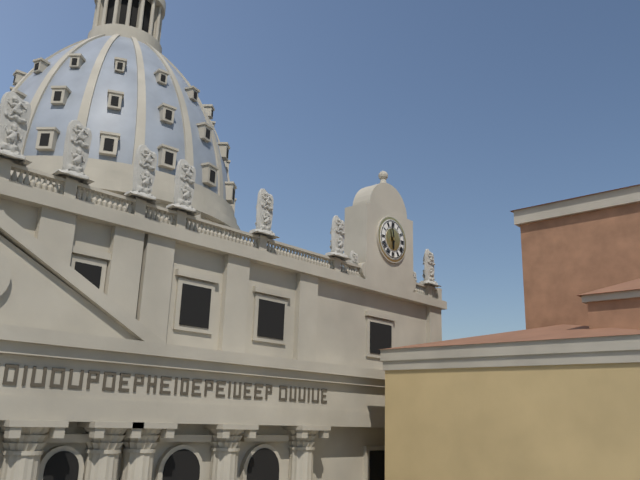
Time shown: h=5 m=58
